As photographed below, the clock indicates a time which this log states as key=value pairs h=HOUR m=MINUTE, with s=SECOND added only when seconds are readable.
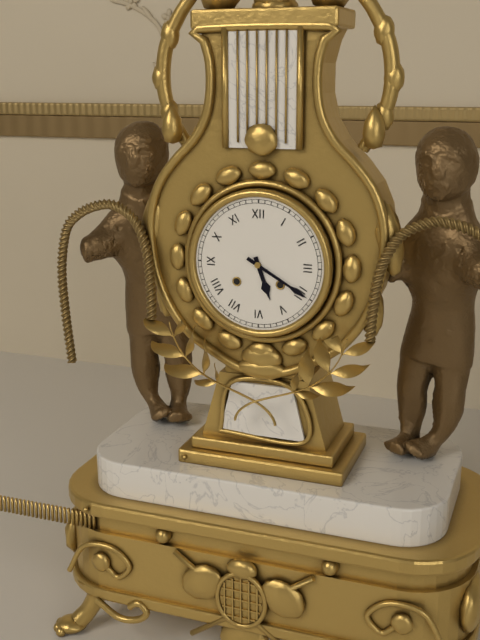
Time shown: h=5 m=20
